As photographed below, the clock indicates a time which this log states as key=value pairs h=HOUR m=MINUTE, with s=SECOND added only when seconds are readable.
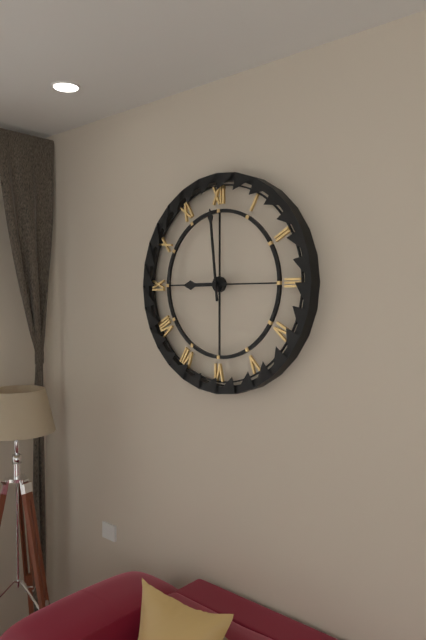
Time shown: h=8 m=59
